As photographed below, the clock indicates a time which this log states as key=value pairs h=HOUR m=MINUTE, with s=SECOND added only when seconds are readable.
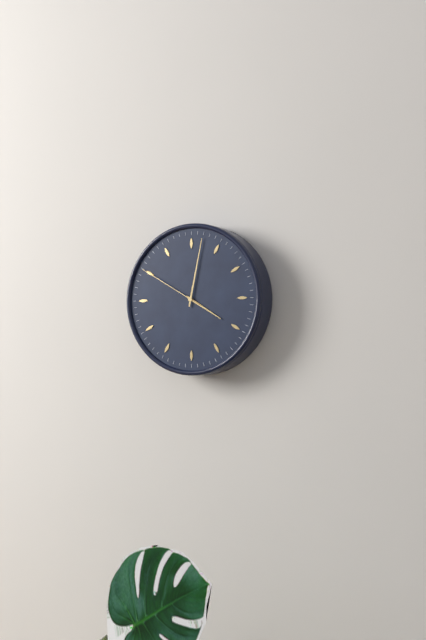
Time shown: h=4 m=2 s=50
